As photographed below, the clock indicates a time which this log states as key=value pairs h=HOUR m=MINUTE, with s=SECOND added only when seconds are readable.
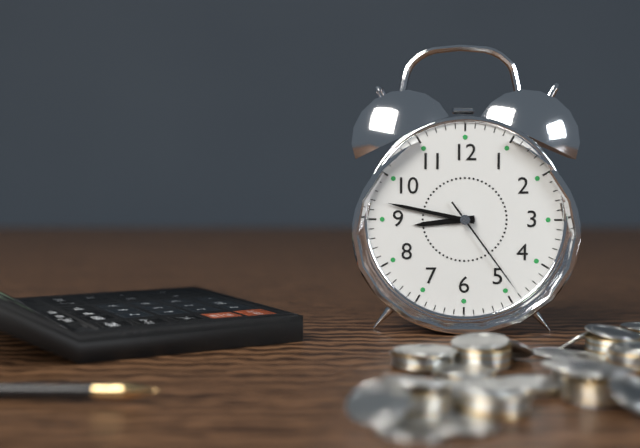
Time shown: h=8 m=47 s=24
